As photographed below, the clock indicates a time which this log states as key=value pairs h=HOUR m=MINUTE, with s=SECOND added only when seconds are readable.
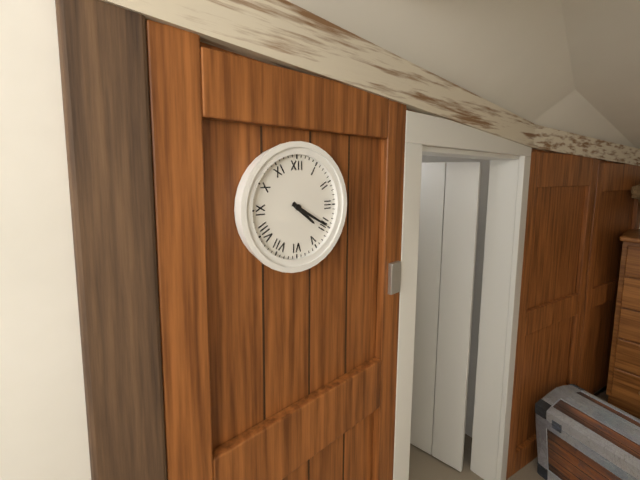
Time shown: h=4 m=20
